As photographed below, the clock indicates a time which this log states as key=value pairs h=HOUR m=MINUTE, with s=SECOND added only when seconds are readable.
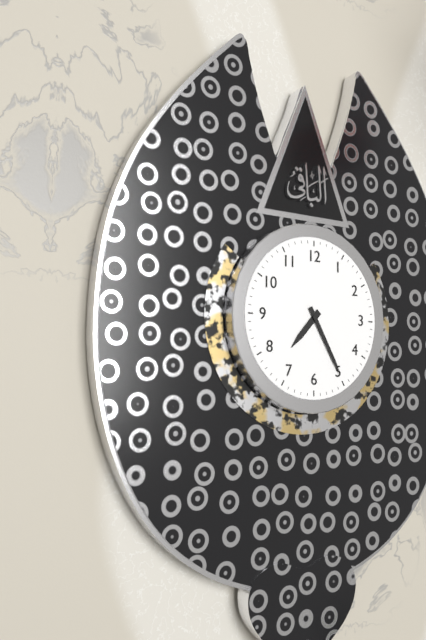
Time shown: h=7 m=25
